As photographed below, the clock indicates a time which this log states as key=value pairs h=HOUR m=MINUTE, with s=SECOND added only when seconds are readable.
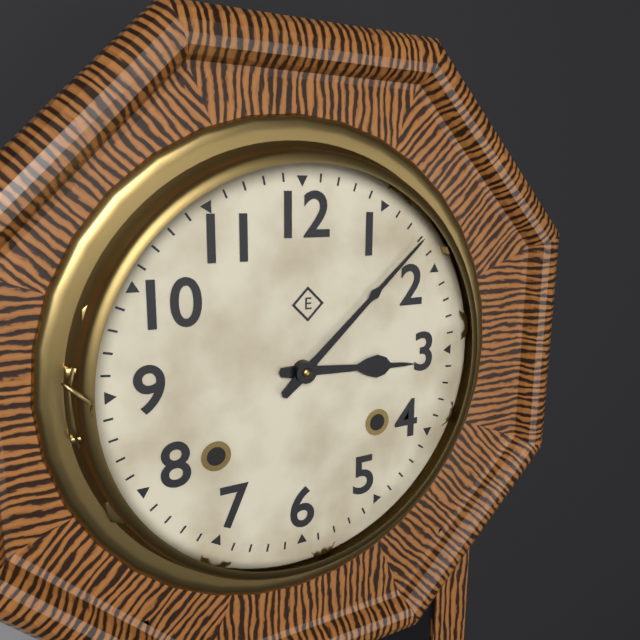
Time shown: h=3 m=8
